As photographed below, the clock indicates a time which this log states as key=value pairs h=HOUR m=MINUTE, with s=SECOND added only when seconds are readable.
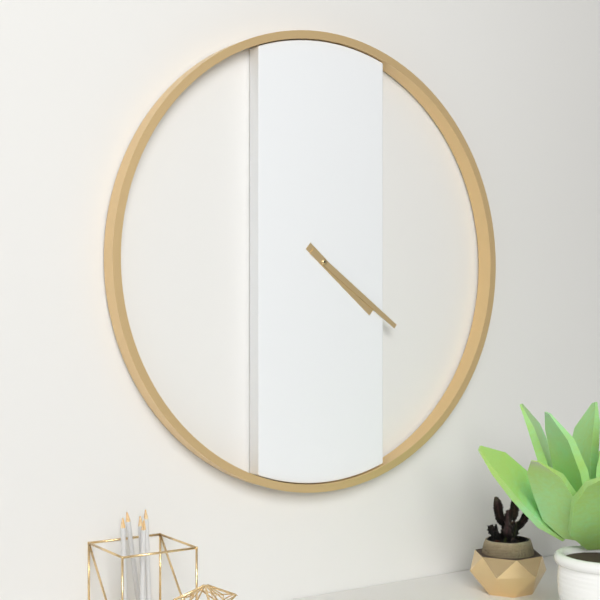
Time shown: h=4 m=21
